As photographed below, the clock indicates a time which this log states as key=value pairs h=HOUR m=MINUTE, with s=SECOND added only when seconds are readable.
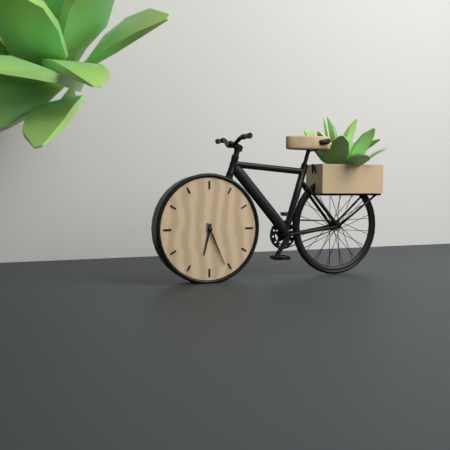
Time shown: h=6 m=26
